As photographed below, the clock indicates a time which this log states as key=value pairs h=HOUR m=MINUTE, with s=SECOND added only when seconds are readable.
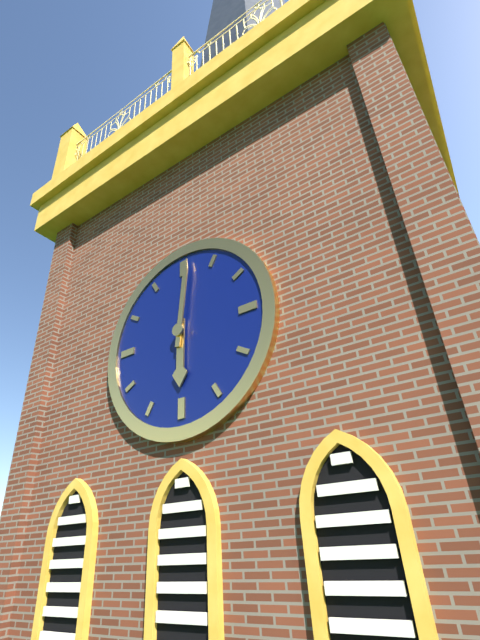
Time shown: h=6 m=1
